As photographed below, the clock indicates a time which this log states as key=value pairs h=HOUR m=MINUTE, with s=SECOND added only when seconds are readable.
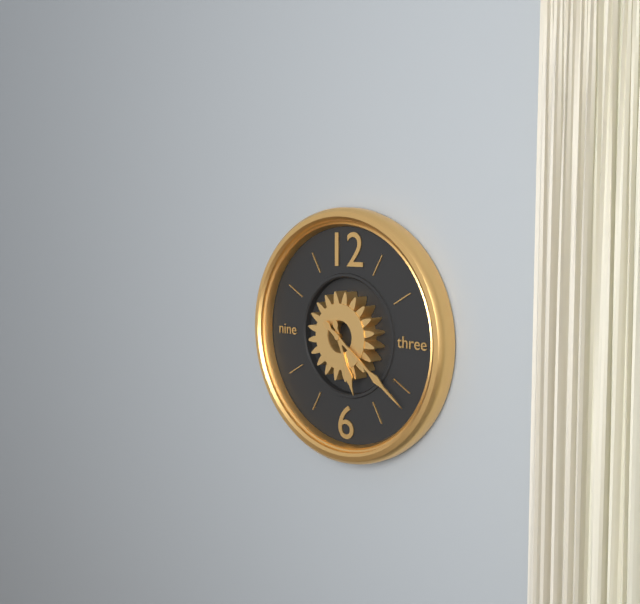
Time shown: h=5 m=21
